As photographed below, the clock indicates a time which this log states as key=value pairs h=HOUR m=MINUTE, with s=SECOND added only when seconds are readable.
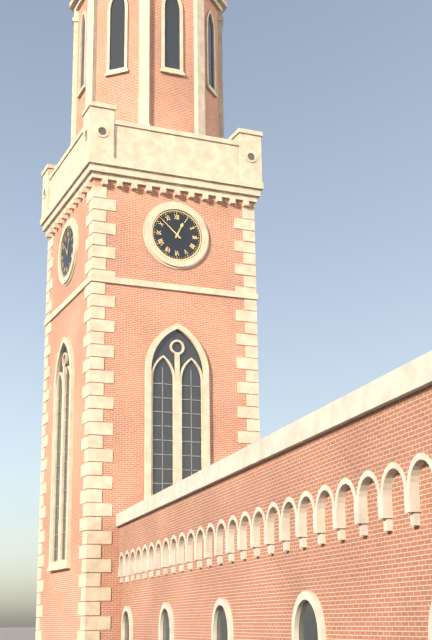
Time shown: h=12 m=52
